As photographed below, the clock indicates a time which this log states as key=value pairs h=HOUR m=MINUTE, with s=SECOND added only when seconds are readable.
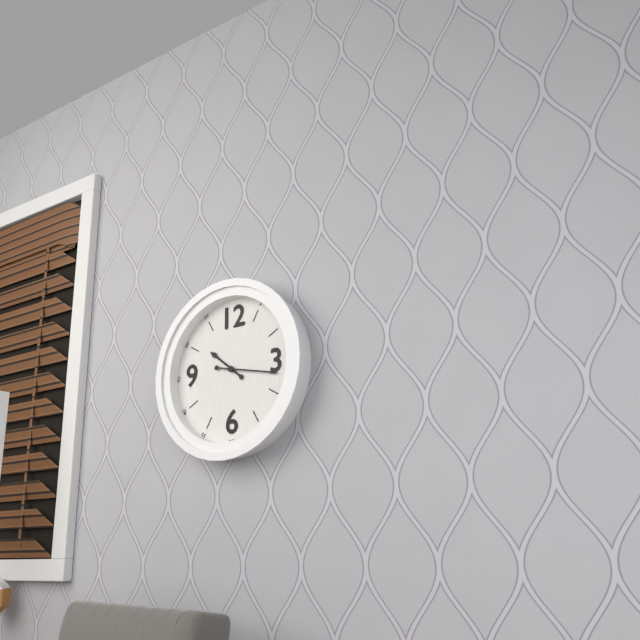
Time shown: h=10 m=17
